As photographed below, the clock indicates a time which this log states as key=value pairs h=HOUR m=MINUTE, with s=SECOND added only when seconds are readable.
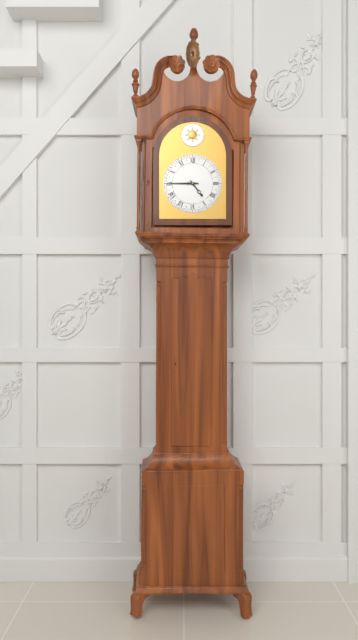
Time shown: h=4 m=45
